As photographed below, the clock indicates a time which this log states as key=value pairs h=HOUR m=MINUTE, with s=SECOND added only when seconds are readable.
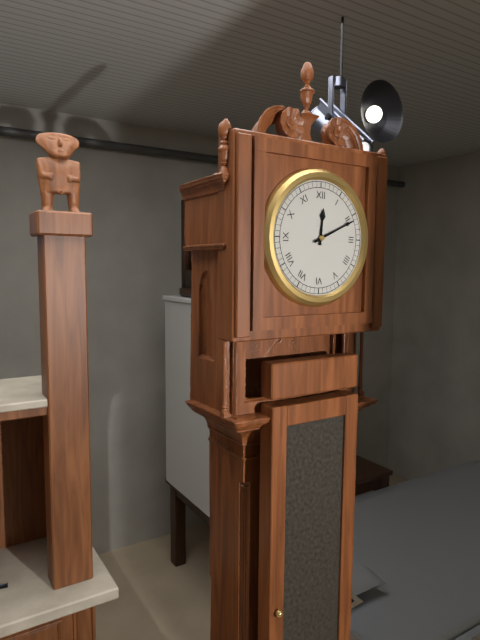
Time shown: h=12 m=11
